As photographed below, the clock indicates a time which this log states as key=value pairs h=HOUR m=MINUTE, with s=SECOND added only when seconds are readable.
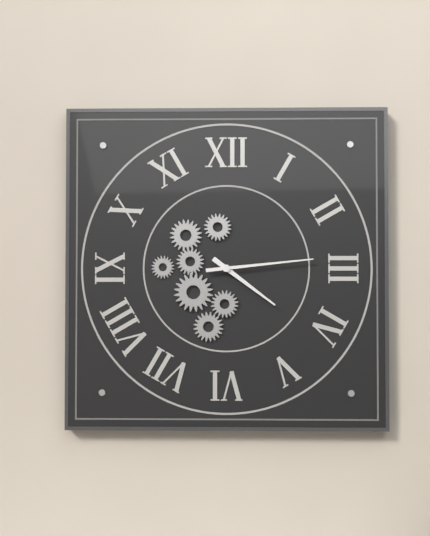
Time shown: h=4 m=14
